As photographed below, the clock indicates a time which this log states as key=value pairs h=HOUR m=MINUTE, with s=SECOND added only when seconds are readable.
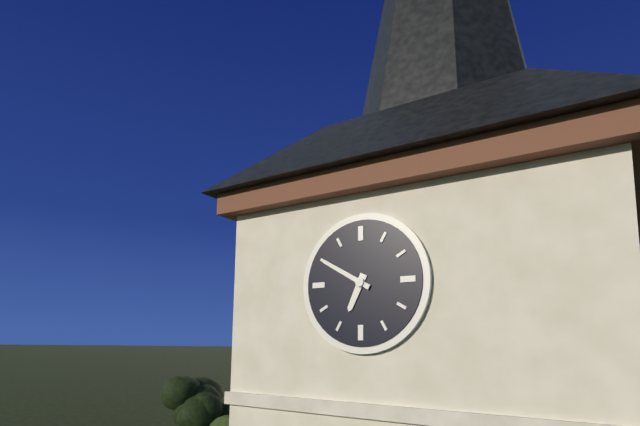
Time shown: h=6 m=50
